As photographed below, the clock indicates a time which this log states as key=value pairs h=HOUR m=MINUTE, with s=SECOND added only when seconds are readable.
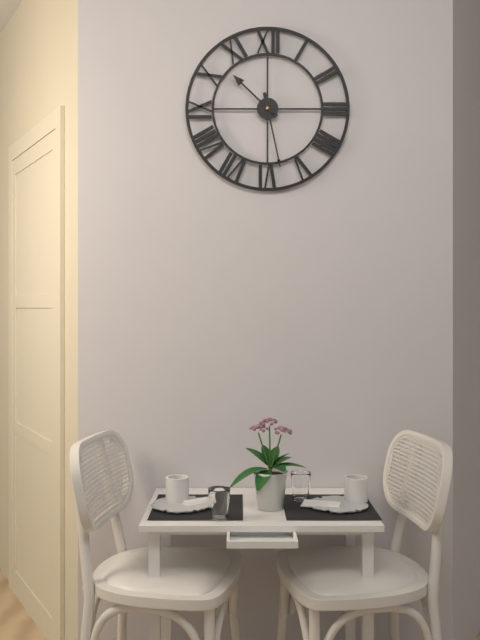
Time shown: h=10 m=28
